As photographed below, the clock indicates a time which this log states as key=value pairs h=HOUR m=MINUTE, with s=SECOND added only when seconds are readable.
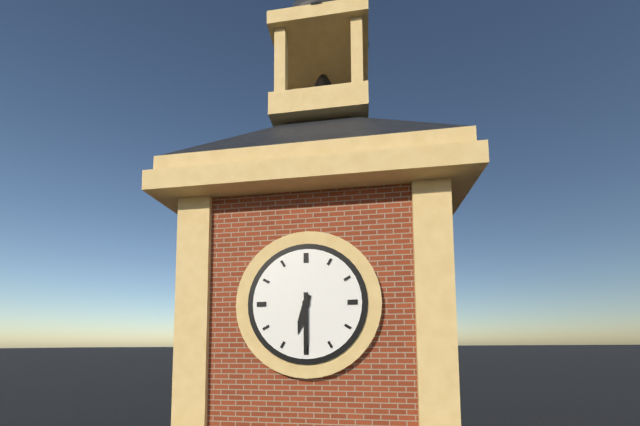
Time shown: h=6 m=30
